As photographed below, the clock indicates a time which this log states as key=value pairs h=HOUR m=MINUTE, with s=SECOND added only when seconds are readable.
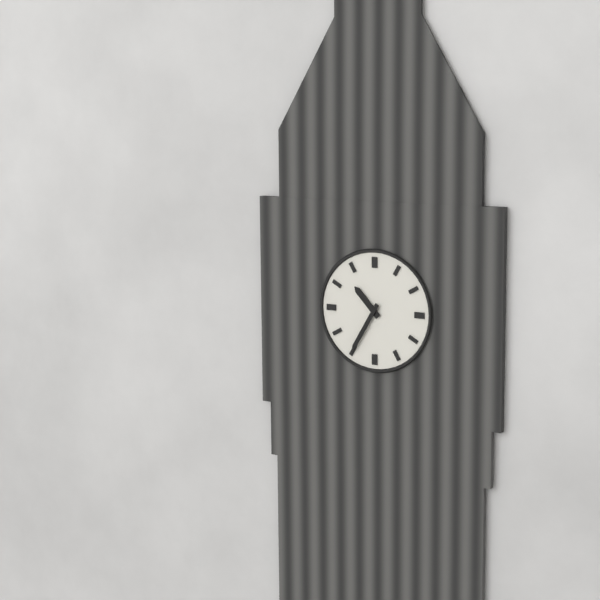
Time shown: h=10 m=35
